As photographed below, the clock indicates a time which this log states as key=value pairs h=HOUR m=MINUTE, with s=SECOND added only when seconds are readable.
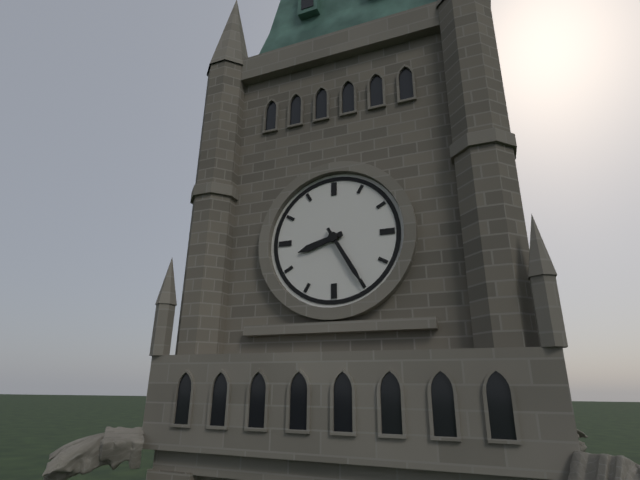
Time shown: h=8 m=25
